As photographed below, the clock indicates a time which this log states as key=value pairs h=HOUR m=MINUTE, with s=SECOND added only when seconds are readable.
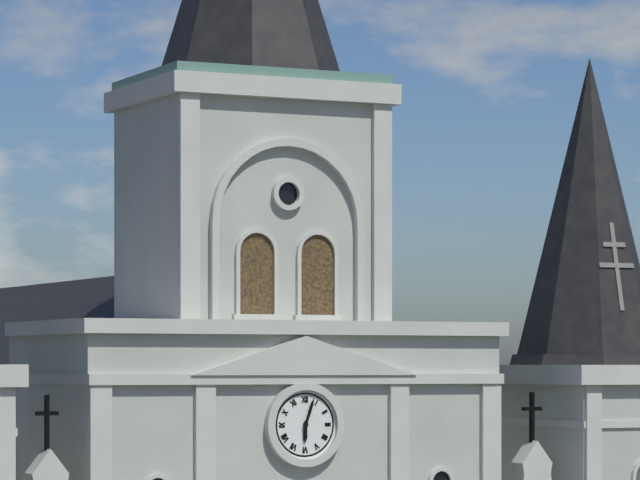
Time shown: h=6 m=3
